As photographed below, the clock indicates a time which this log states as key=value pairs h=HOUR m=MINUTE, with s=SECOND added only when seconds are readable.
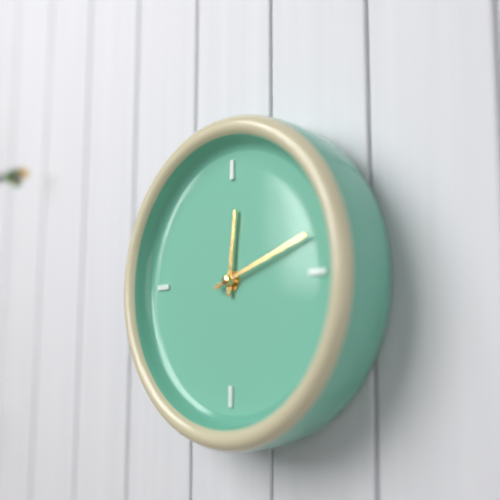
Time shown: h=12 m=12
